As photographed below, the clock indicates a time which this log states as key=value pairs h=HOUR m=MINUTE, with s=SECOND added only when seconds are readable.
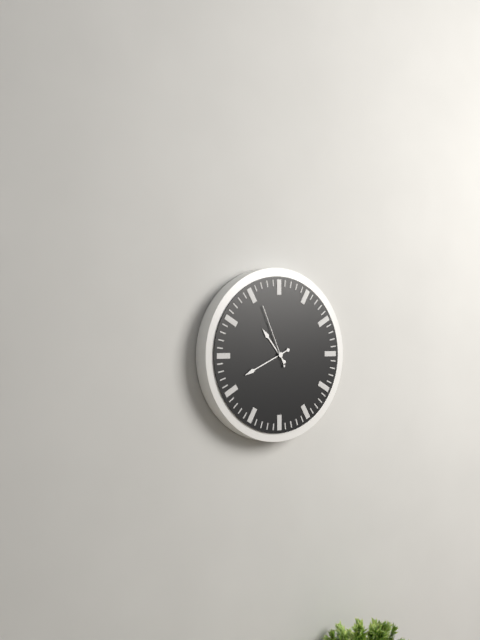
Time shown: h=10 m=41 s=56
